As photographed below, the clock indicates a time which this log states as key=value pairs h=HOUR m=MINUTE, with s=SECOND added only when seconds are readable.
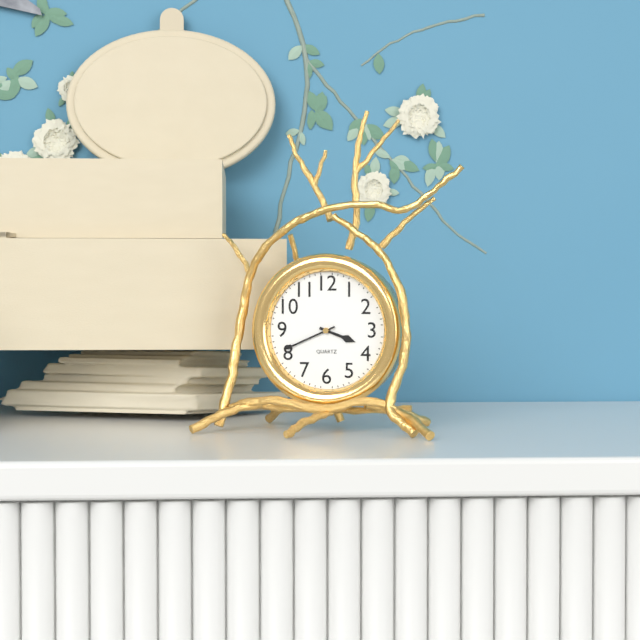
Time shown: h=3 m=41
